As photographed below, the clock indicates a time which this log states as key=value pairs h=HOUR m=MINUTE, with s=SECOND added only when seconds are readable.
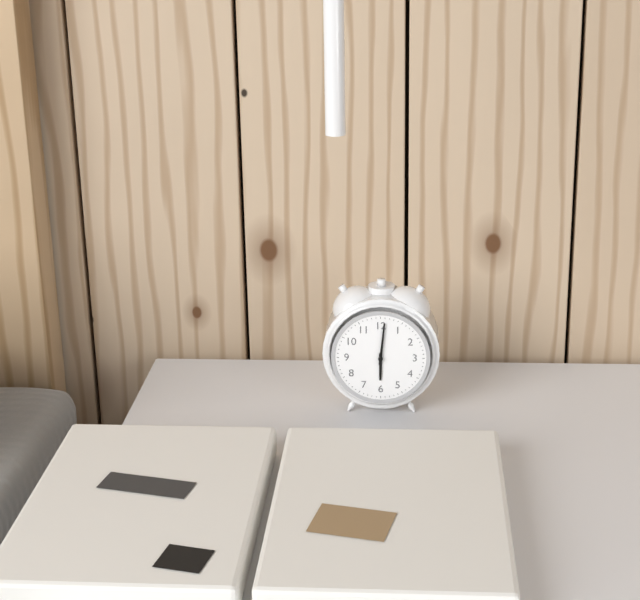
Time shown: h=6 m=1
